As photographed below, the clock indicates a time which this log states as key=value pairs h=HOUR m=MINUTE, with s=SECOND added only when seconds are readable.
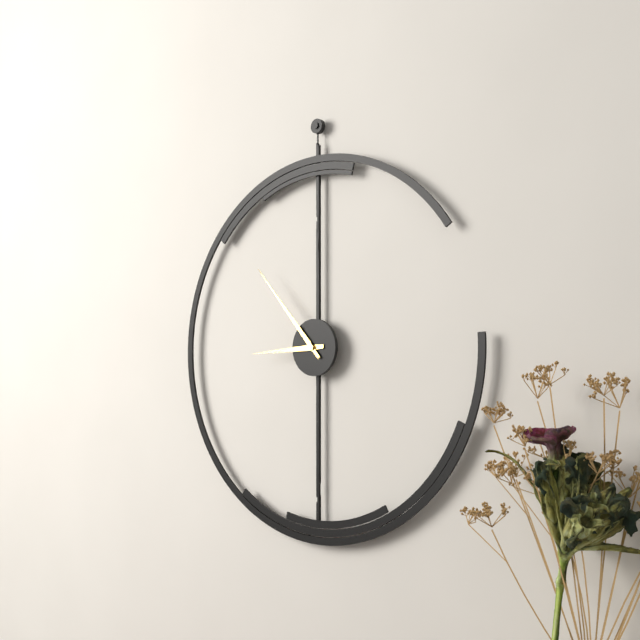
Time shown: h=8 m=53
